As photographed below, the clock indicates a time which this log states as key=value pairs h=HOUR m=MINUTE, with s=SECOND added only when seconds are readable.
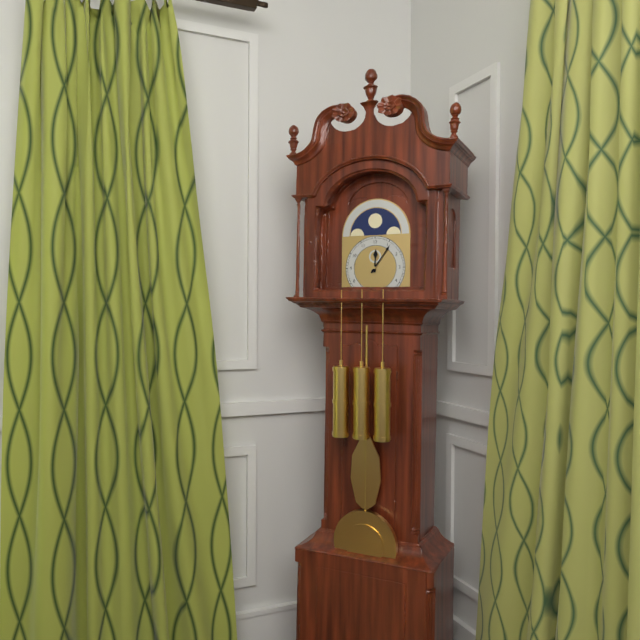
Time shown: h=12 m=6
